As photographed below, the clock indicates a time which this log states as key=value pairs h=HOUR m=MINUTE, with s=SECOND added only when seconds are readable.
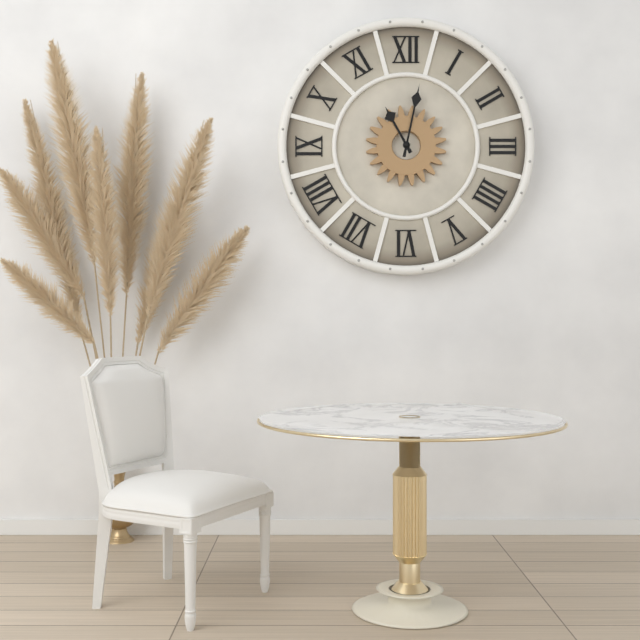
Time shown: h=11 m=2
